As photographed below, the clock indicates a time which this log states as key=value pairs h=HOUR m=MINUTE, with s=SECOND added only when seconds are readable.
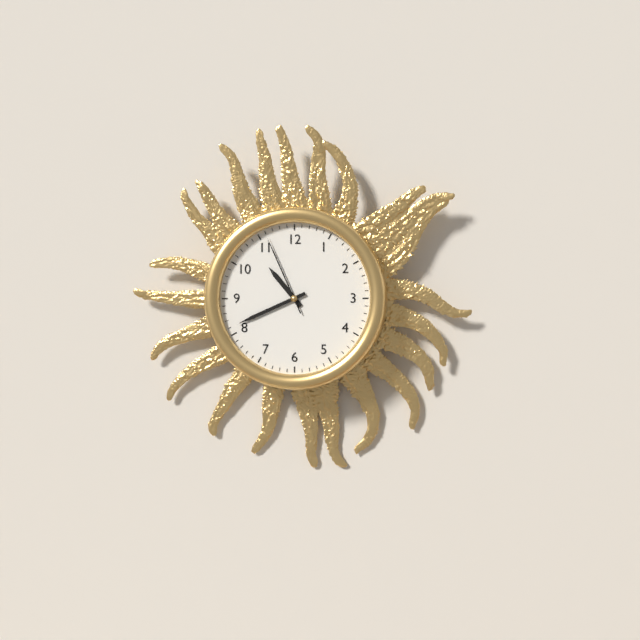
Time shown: h=10 m=41 s=56
